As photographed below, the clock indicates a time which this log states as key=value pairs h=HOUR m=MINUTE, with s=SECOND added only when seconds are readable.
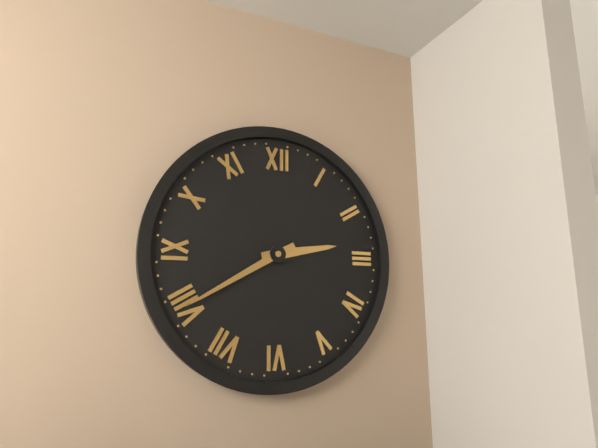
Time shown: h=2 m=40
